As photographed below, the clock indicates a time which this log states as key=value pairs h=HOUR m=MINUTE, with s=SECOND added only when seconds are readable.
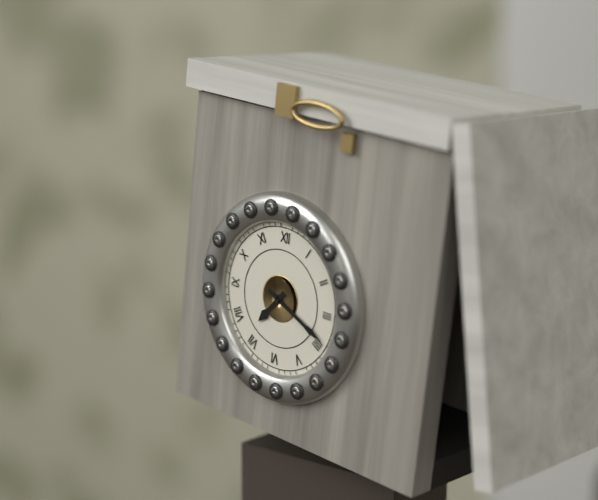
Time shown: h=7 m=19
